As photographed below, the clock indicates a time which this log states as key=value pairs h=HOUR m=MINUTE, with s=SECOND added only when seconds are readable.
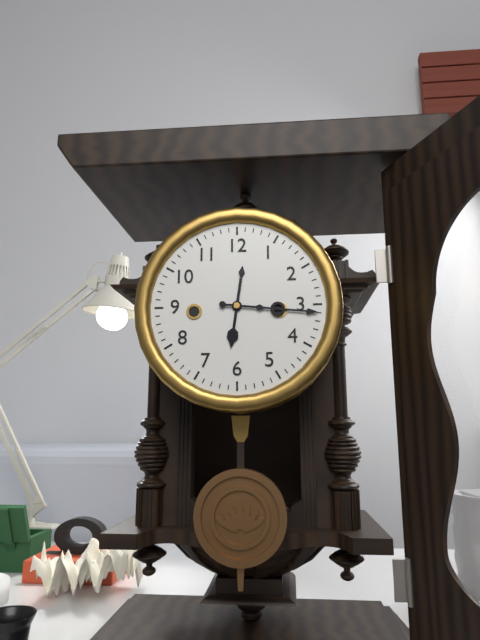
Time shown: h=6 m=16
